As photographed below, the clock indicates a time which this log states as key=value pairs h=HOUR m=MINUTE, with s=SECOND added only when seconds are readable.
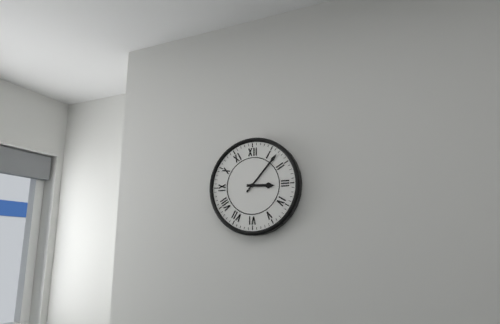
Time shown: h=3 m=7
